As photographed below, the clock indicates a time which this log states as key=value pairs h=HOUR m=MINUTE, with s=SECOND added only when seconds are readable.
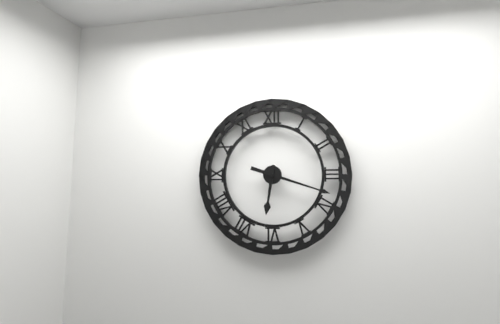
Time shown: h=6 m=18
